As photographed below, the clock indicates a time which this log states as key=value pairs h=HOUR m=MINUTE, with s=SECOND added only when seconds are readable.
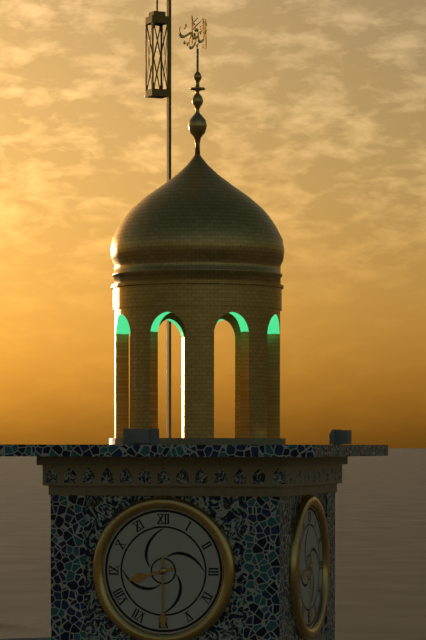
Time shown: h=8 m=30
